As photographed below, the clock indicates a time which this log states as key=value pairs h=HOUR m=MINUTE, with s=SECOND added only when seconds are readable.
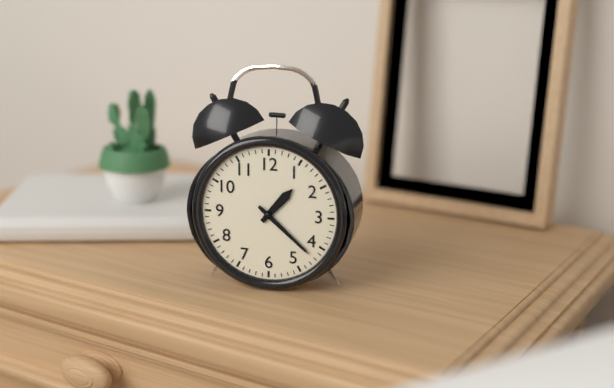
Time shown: h=1 m=22
